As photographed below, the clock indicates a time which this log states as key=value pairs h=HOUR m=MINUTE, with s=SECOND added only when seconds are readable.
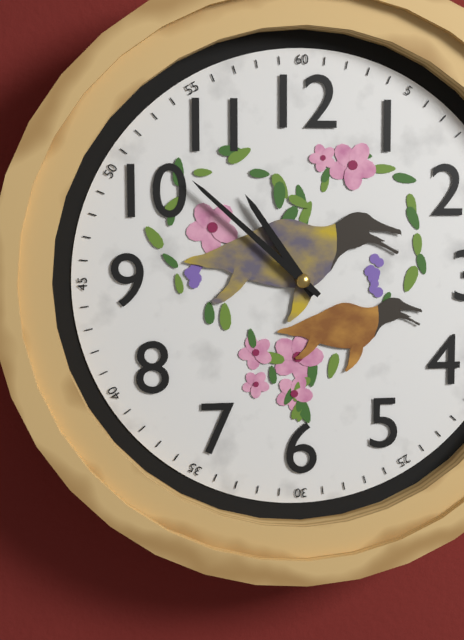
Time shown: h=10 m=52
